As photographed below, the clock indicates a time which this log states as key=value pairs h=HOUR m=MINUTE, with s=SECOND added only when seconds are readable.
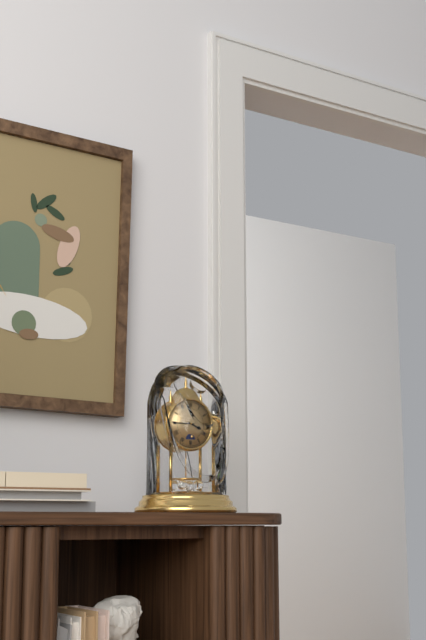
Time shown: h=3 m=45
